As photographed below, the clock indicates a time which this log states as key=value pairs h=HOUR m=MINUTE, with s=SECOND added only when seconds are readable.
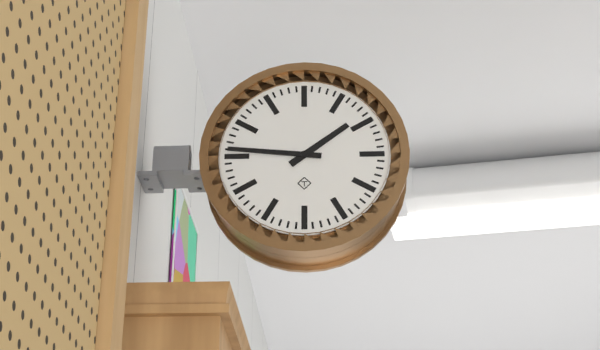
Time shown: h=1 m=46
